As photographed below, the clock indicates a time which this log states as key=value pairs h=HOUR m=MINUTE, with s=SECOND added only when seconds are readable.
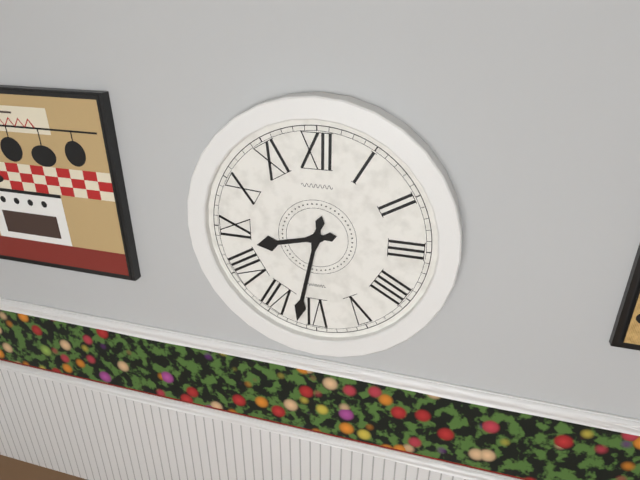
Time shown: h=8 m=32
